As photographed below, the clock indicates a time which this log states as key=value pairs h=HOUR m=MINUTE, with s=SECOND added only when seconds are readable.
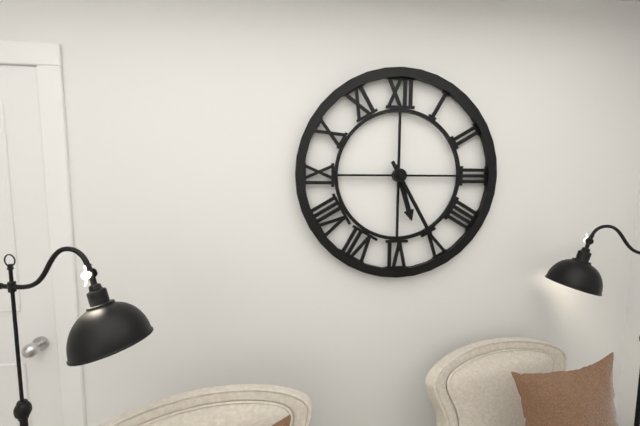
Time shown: h=5 m=25
